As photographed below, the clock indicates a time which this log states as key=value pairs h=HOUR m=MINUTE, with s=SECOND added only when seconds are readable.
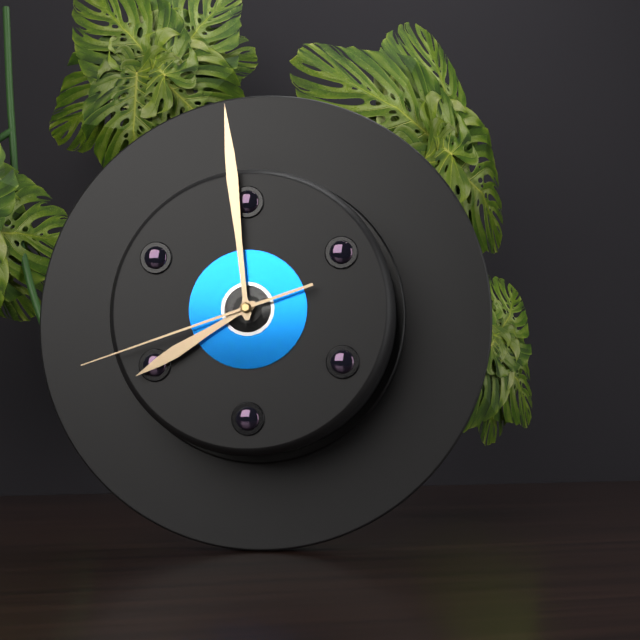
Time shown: h=7 m=59 s=42
